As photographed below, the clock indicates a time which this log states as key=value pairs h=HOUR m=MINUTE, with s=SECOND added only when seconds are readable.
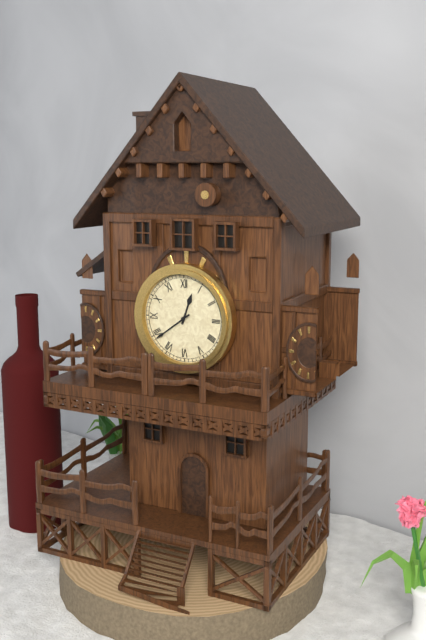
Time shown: h=12 m=39
